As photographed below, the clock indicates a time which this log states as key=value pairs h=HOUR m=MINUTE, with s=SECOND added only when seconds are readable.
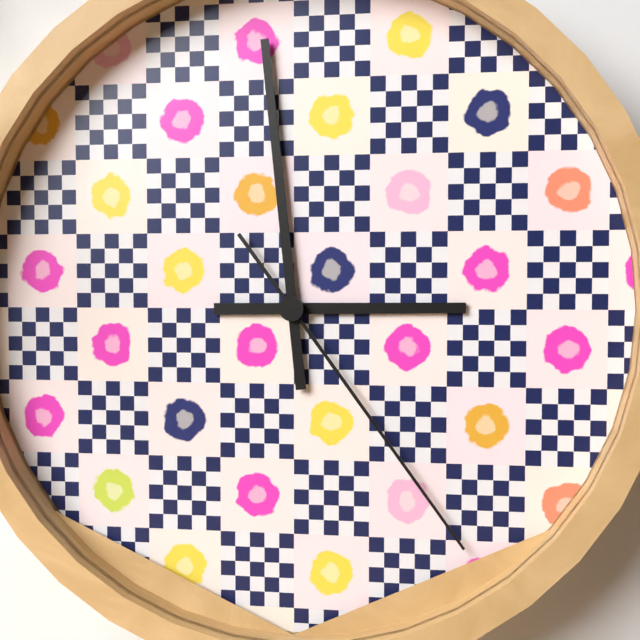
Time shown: h=2 m=59 s=24
